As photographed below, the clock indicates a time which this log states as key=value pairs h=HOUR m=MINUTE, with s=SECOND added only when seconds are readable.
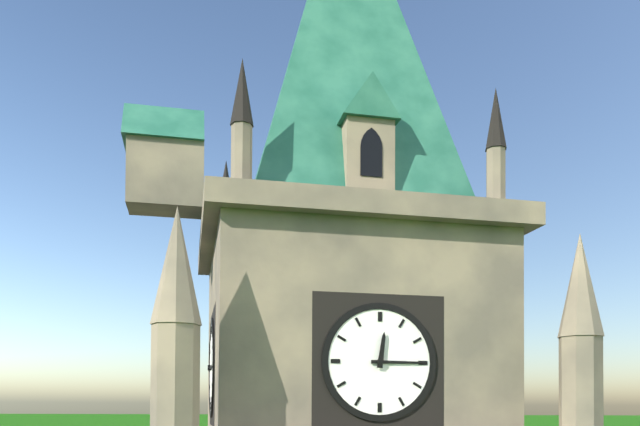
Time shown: h=12 m=15
